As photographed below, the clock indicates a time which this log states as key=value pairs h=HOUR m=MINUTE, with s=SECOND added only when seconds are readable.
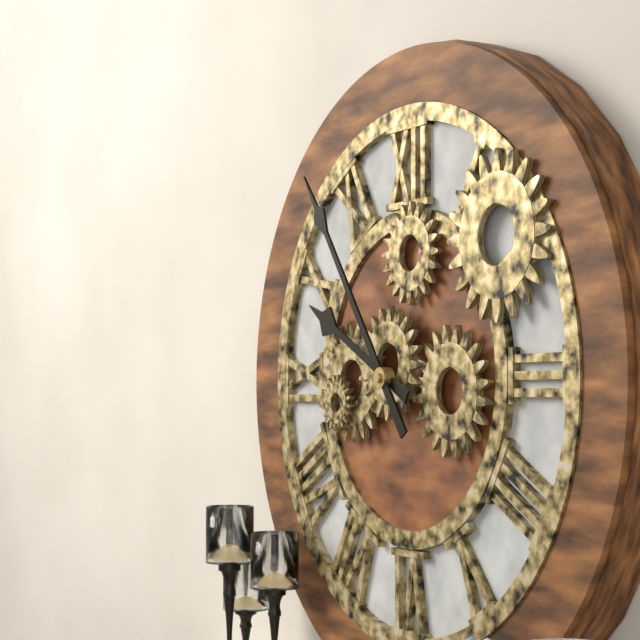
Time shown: h=9 m=54
